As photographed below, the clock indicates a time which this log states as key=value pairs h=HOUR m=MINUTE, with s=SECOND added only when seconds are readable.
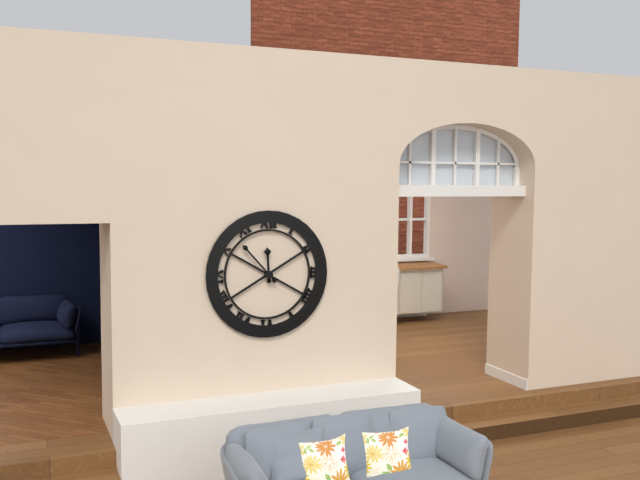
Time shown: h=11 m=53
